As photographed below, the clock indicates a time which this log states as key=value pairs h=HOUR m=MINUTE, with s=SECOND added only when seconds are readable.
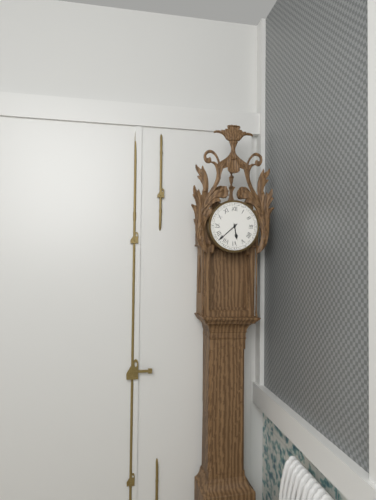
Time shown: h=5 m=38
